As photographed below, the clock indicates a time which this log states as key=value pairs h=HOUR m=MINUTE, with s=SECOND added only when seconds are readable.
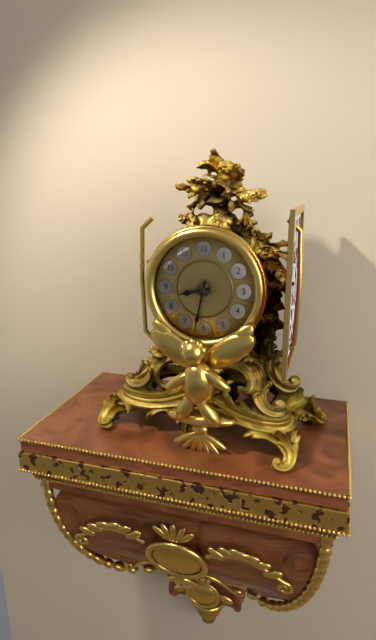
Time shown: h=8 m=32
